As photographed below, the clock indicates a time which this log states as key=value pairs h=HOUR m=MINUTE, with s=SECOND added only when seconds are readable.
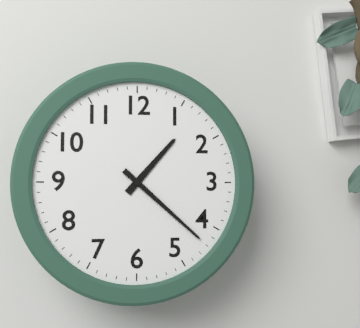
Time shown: h=1 m=22
